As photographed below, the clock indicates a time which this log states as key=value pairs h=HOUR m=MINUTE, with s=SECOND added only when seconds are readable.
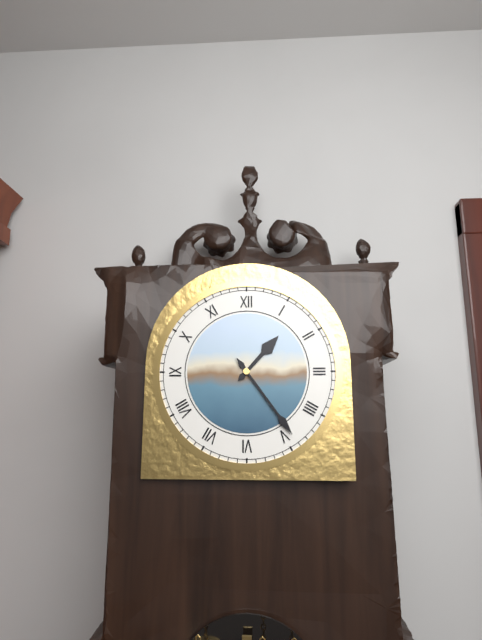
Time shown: h=1 m=24
